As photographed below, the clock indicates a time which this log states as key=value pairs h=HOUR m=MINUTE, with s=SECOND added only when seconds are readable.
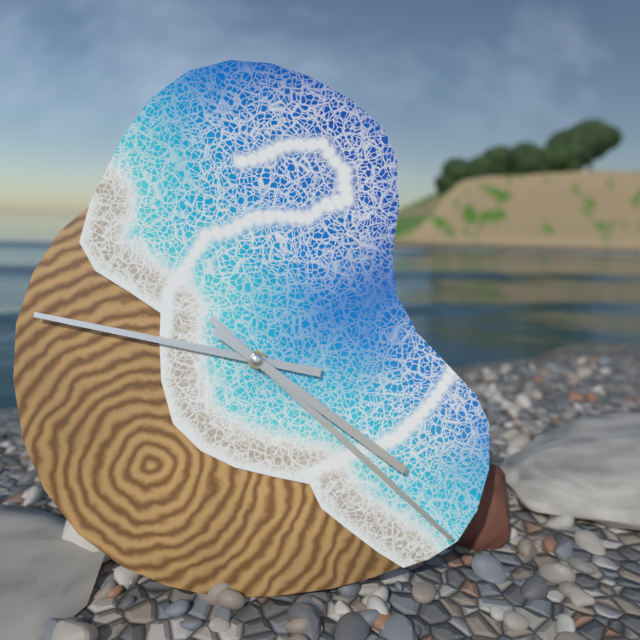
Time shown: h=9 m=22 s=21
